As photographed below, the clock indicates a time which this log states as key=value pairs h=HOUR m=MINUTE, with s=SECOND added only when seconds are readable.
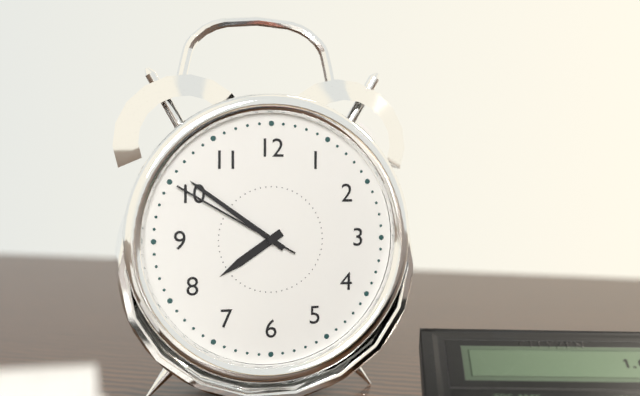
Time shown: h=7 m=51 s=50
